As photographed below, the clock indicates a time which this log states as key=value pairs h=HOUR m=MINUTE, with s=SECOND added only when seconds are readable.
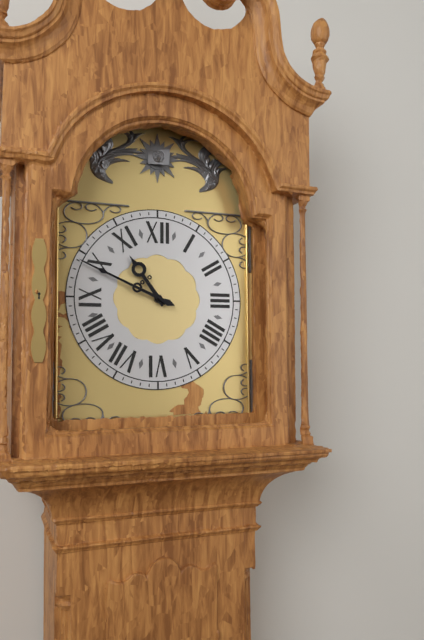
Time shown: h=10 m=49
